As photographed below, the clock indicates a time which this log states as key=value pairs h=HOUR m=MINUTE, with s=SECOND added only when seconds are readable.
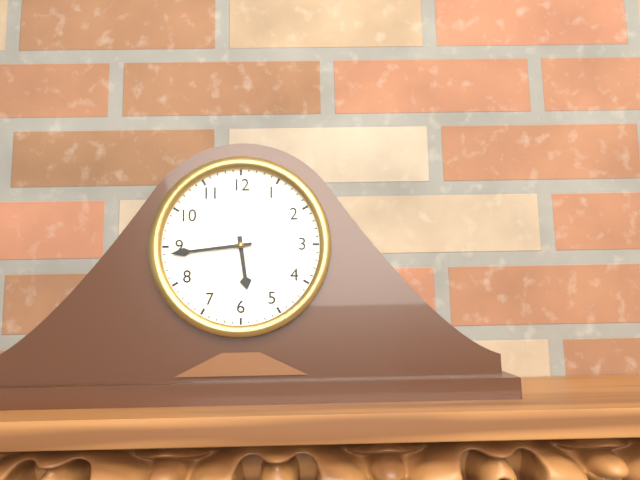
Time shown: h=5 m=44
